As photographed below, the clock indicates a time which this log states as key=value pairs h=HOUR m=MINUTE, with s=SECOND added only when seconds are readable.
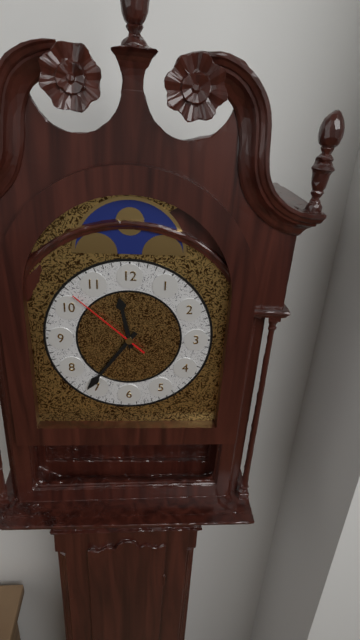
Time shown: h=11 m=36 s=52
